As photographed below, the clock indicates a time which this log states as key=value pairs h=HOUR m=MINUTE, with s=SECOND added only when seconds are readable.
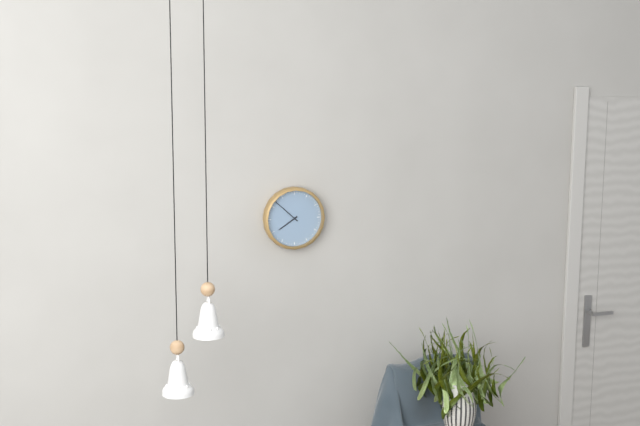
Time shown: h=7 m=52
